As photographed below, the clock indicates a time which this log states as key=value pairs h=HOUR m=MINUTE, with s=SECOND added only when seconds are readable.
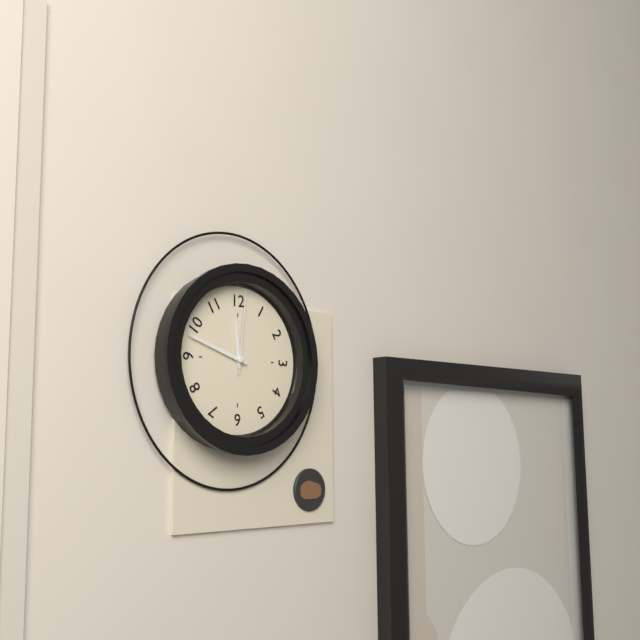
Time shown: h=11 m=48 s=1
